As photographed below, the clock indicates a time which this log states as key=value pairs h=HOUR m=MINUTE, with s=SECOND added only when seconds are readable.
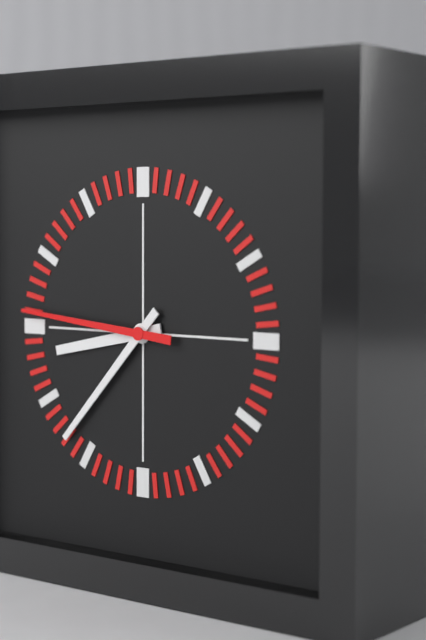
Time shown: h=8 m=37 s=46
